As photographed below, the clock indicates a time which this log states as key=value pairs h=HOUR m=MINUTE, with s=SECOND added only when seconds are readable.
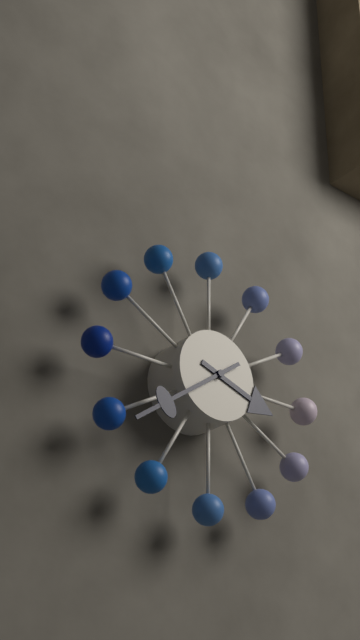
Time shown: h=3 m=39
